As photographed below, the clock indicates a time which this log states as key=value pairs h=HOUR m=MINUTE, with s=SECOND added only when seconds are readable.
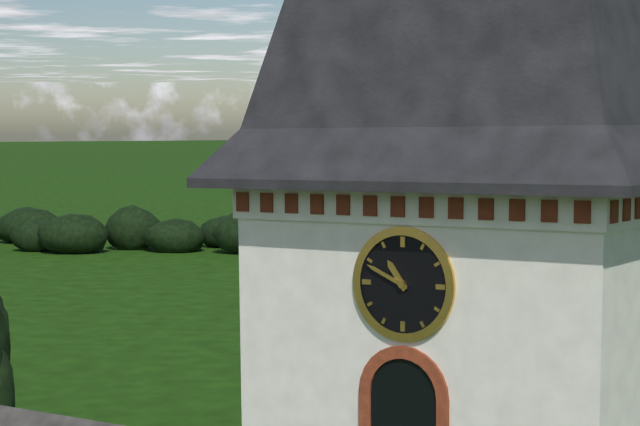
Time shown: h=10 m=49
